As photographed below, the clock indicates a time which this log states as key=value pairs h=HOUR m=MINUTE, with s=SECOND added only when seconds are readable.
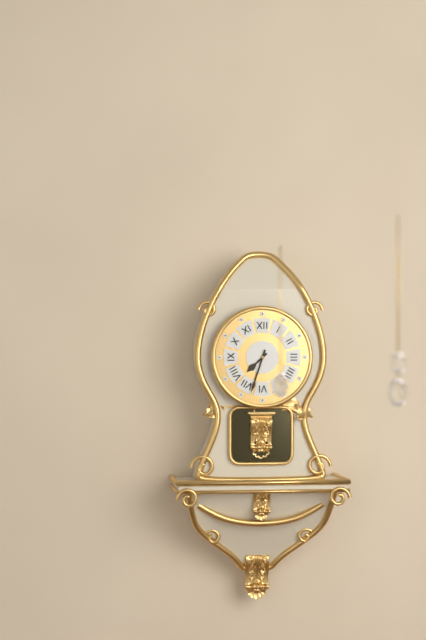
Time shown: h=7 m=33
